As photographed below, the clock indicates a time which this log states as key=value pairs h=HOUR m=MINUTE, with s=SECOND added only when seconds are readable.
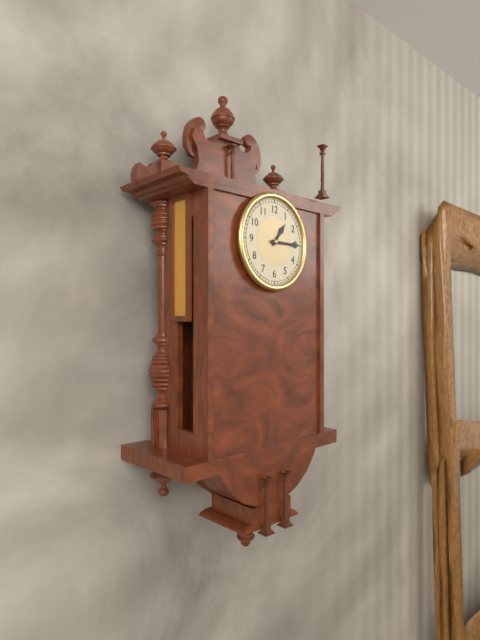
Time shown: h=1 m=15
